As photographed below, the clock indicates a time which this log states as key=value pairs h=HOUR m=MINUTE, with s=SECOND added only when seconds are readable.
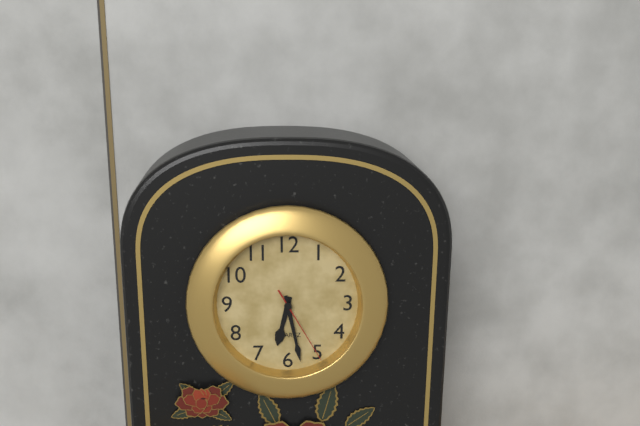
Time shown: h=6 m=28 s=25
